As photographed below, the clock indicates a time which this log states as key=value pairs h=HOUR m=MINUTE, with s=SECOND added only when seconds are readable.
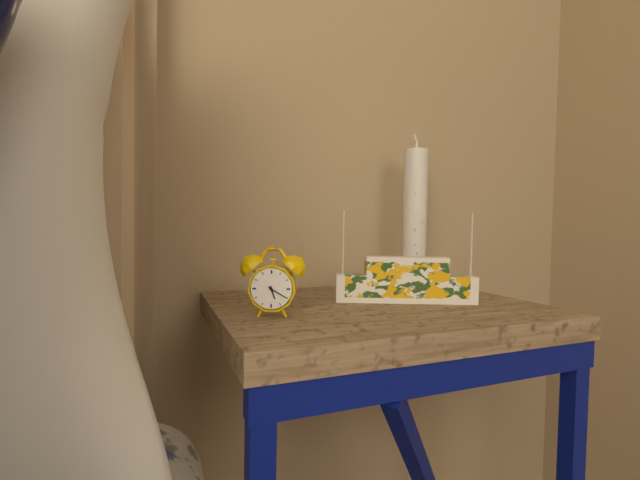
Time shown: h=5 m=20
